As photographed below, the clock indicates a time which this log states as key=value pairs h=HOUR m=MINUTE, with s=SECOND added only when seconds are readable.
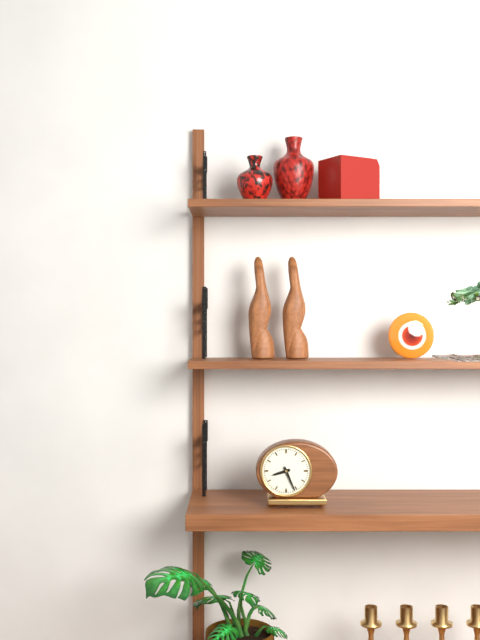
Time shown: h=8 m=26
